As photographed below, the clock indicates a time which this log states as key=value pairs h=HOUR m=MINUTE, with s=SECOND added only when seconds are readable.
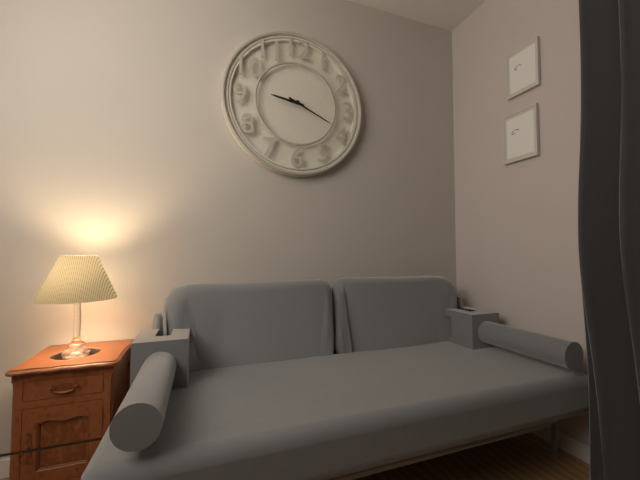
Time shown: h=9 m=19
